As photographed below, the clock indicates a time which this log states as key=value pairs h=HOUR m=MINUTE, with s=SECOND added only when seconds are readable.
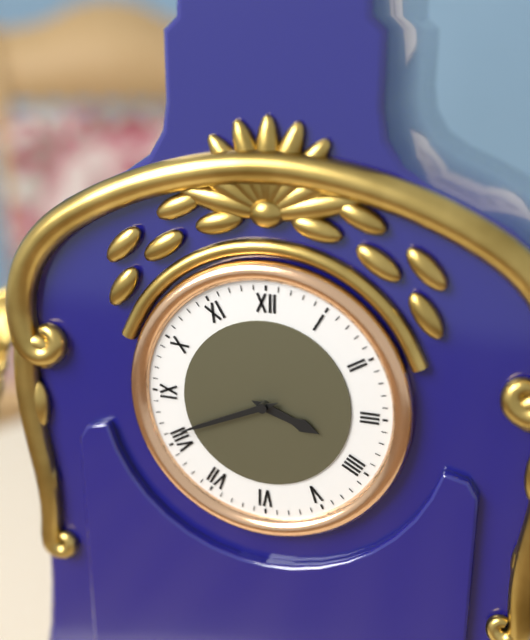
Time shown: h=3 m=41
